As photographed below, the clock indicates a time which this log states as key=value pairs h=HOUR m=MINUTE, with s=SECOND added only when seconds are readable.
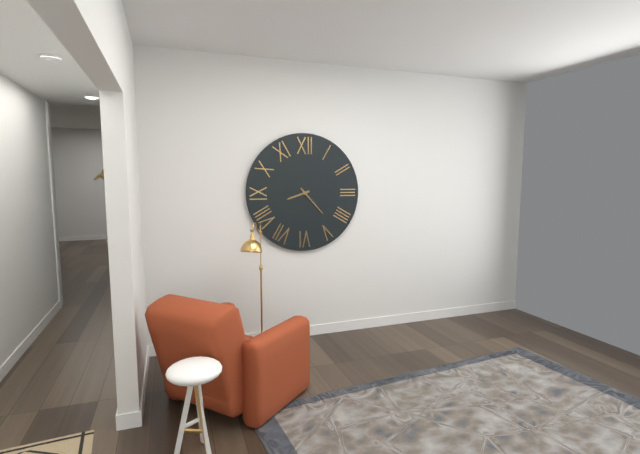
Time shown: h=8 m=23
